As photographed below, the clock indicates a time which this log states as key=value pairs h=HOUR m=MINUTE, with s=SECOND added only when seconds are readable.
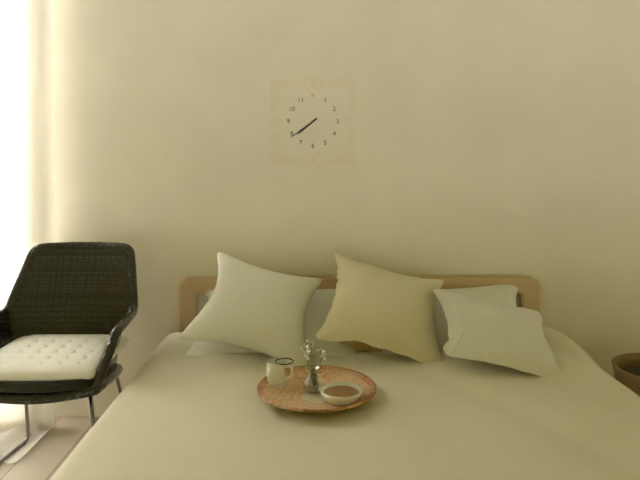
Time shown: h=7 m=39
